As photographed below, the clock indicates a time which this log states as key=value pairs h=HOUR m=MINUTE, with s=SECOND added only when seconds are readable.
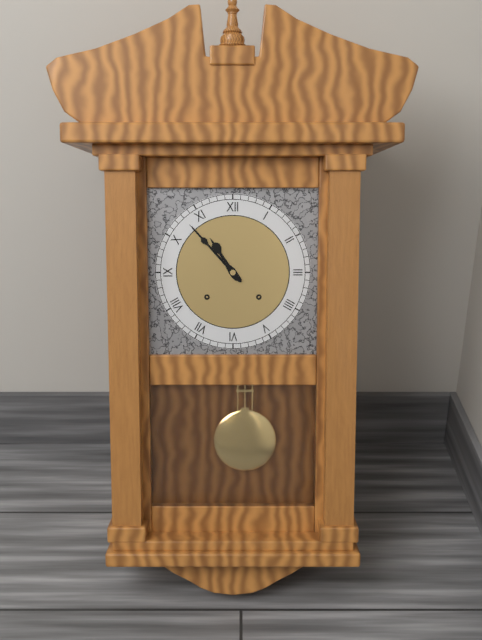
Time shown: h=10 m=53
